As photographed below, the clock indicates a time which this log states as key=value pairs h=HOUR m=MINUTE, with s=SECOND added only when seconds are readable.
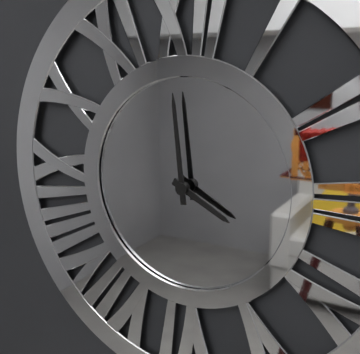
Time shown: h=3 m=59
